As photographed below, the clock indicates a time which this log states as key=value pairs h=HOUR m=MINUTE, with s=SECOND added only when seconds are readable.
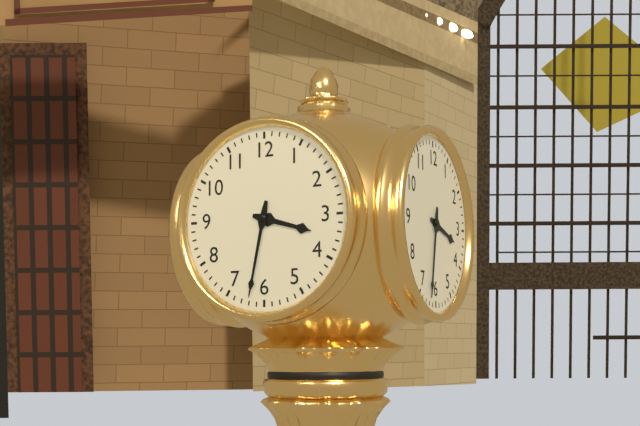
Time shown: h=3 m=32
